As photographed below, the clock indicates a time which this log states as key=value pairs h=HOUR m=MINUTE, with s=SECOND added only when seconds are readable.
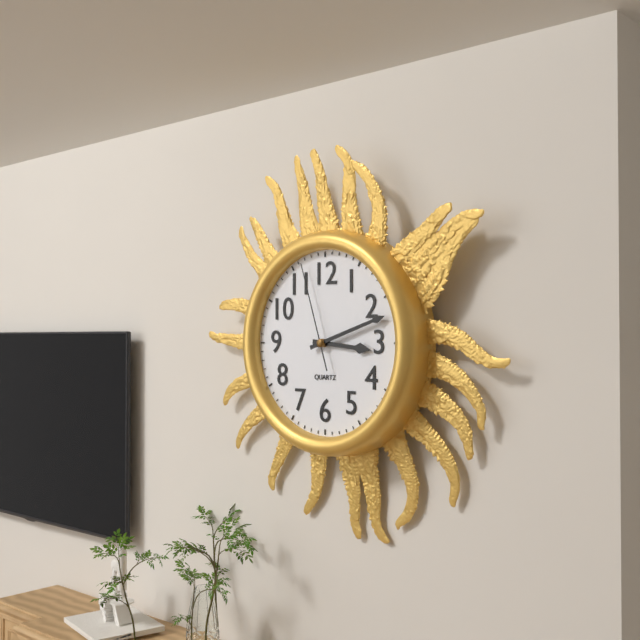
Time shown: h=3 m=12 s=57
